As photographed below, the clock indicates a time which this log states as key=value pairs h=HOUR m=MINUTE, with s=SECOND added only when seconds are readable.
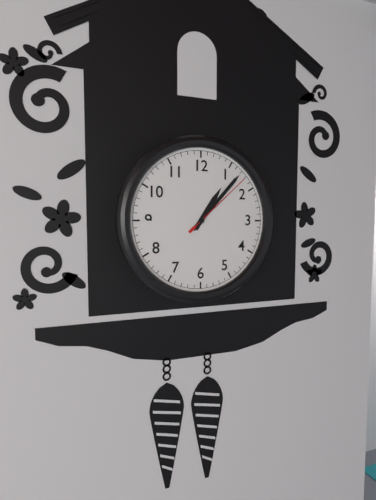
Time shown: h=1 m=7 s=8
